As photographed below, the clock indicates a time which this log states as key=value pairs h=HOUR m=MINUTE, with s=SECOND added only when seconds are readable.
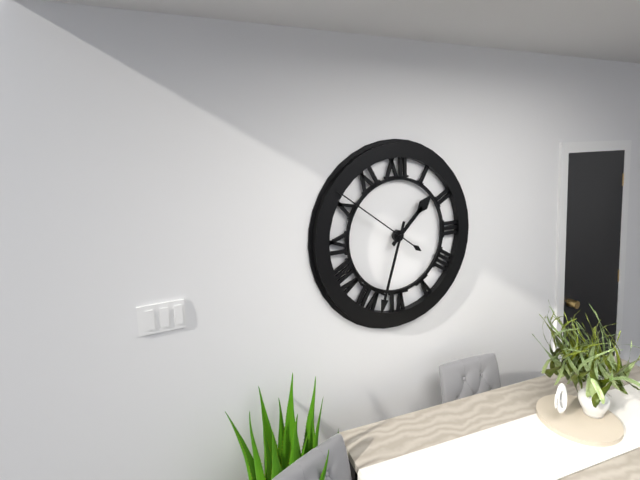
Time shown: h=1 m=33 s=51
